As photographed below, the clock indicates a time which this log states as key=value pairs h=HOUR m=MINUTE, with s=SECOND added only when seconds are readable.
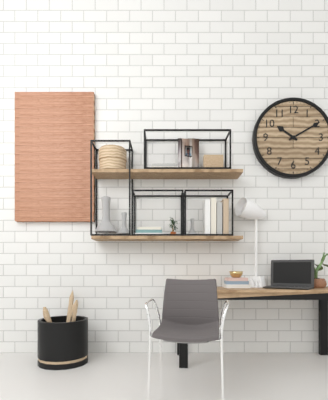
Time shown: h=10 m=10
